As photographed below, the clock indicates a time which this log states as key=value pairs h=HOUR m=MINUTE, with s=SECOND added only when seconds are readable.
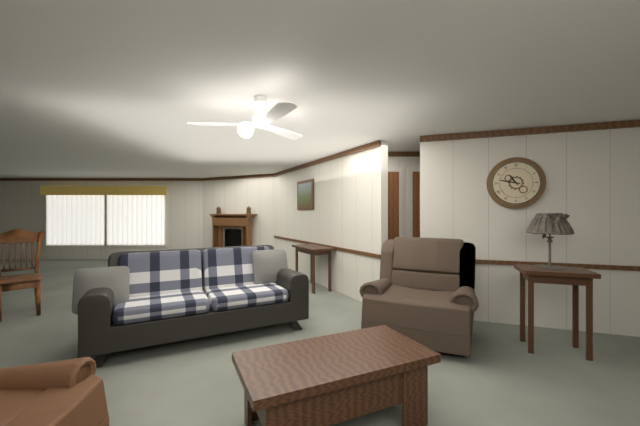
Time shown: h=10 m=47
